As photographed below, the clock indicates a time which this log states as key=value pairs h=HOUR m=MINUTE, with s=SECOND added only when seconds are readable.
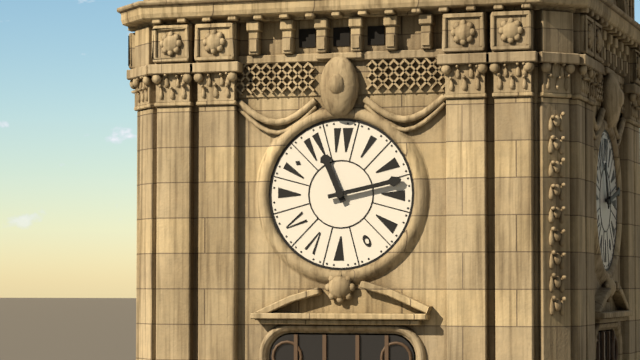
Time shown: h=11 m=13
